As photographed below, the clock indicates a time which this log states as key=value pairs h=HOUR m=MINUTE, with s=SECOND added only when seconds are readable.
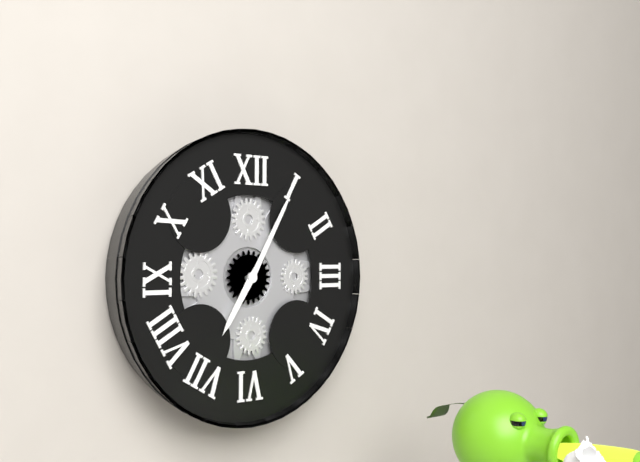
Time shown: h=7 m=5
